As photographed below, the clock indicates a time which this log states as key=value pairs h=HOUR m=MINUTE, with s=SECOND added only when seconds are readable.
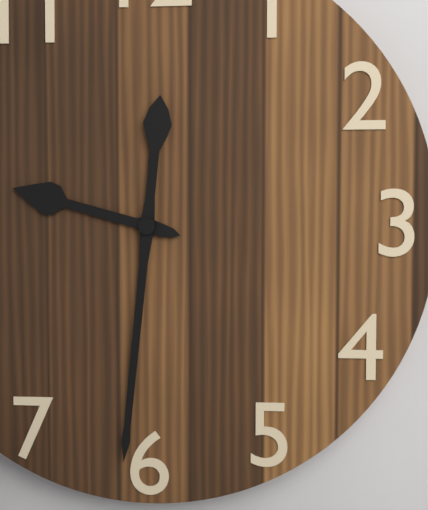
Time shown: h=9 m=31
